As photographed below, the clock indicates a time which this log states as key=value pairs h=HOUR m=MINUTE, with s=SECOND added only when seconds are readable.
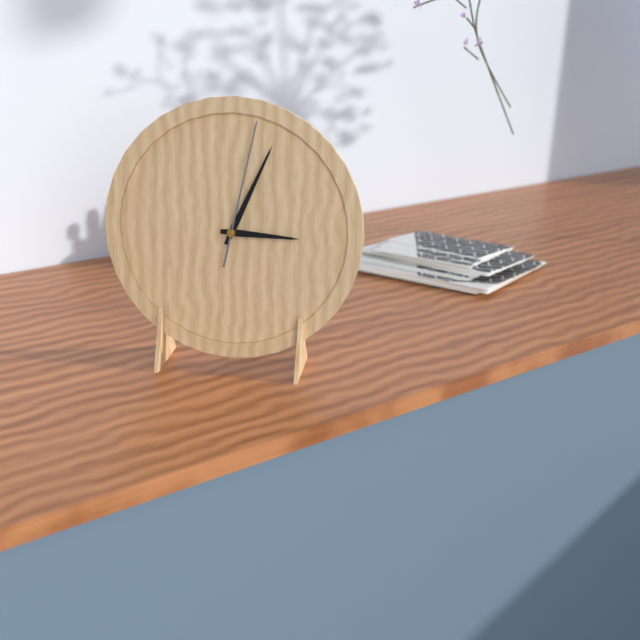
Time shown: h=3 m=4 s=2
